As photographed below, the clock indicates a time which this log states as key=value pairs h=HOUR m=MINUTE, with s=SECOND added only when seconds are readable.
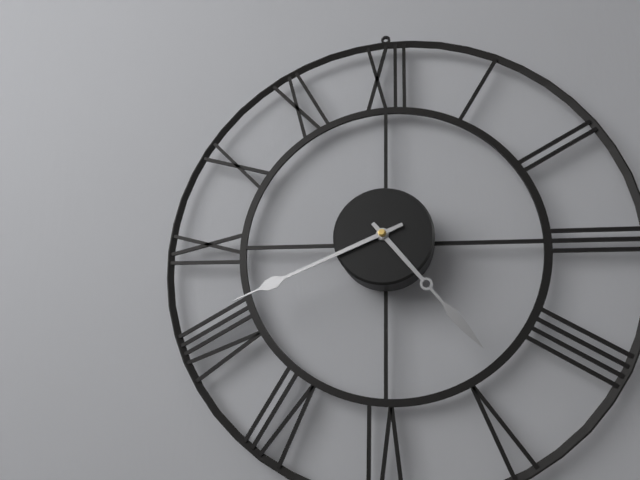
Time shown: h=4 m=41
